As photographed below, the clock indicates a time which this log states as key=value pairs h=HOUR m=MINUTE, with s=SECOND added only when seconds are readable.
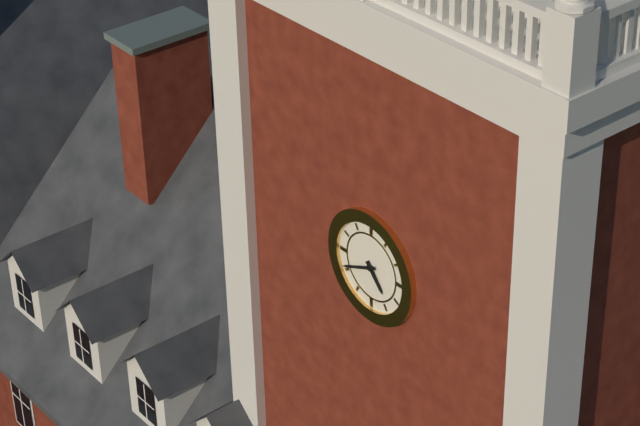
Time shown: h=4 m=41
